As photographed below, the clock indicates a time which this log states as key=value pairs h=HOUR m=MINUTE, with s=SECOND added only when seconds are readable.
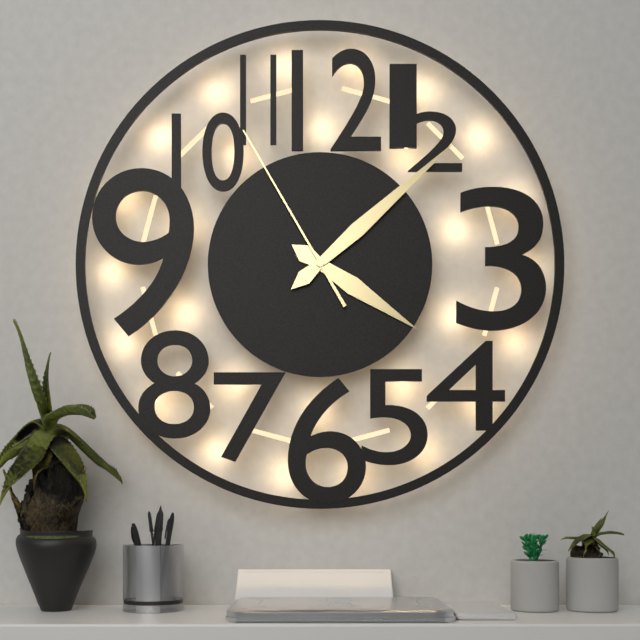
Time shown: h=4 m=8 s=55
